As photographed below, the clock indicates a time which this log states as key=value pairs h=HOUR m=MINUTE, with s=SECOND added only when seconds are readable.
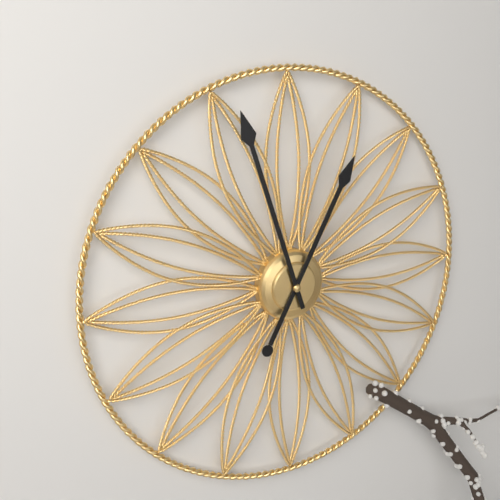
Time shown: h=12 m=57
